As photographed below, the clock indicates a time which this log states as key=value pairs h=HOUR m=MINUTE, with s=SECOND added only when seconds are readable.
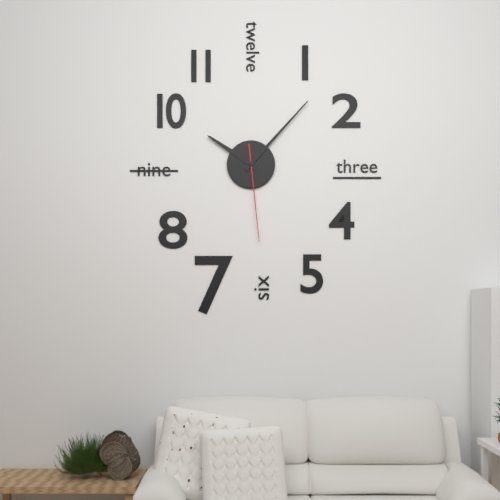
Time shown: h=10 m=7 s=29
